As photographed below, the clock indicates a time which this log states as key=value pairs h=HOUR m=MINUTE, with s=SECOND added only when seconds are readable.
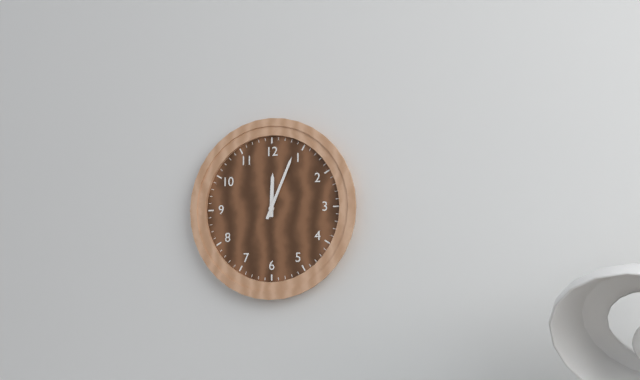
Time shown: h=12 m=4
